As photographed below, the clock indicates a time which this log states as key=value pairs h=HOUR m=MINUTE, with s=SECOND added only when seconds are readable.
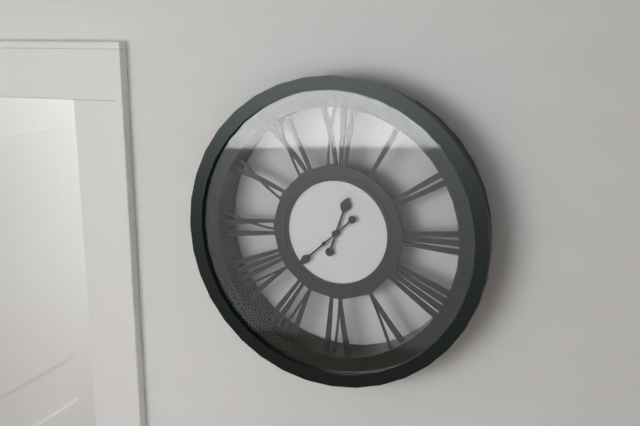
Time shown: h=12 m=38
